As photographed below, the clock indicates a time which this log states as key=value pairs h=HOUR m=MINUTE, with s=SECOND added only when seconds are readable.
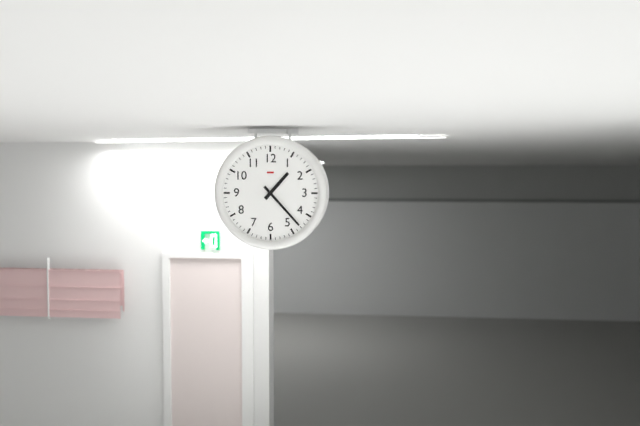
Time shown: h=1 m=23
